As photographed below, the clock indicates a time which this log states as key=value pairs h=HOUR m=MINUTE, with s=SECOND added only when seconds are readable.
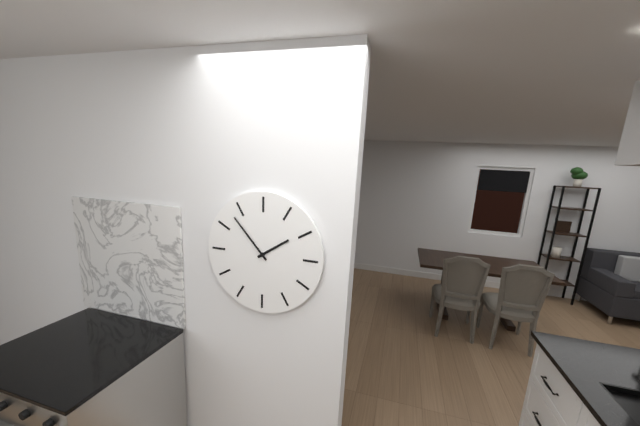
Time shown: h=1 m=53
